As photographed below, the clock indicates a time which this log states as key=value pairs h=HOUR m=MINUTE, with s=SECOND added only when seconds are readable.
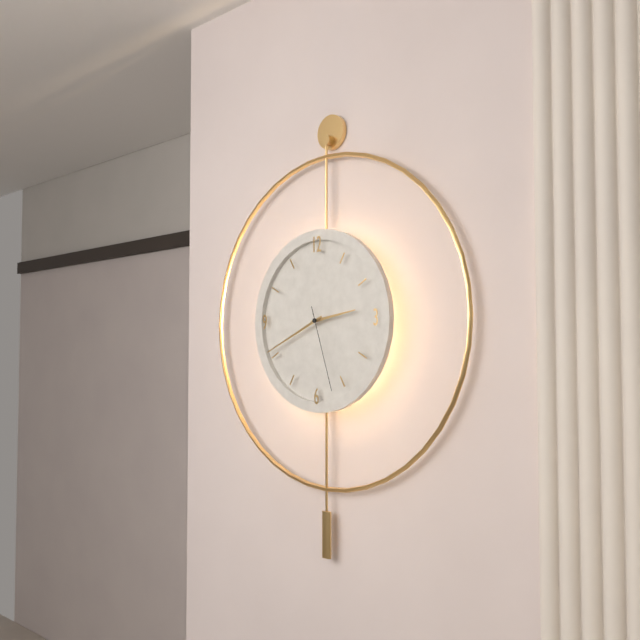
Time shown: h=2 m=41 s=27
